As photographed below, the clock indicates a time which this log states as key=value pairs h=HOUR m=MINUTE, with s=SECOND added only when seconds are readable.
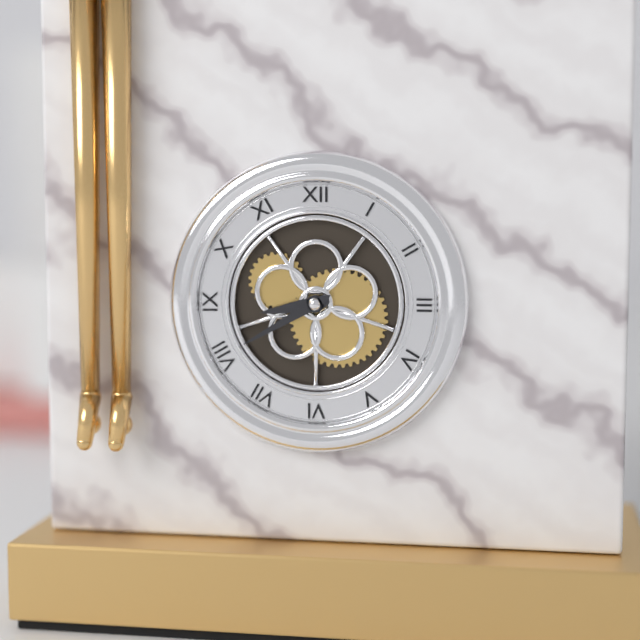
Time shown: h=8 m=40
